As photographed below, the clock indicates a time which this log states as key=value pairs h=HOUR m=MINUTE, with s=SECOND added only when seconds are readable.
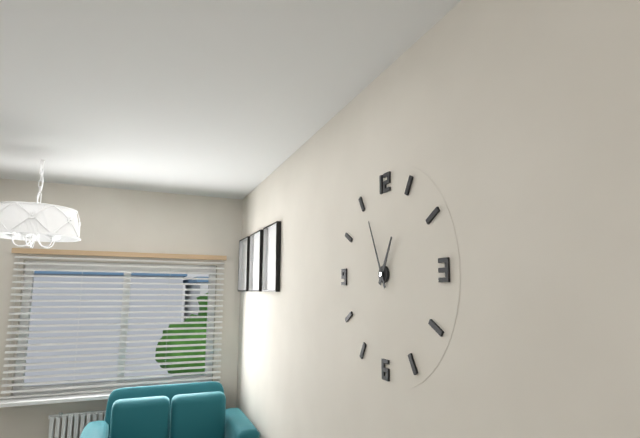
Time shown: h=12 m=56
